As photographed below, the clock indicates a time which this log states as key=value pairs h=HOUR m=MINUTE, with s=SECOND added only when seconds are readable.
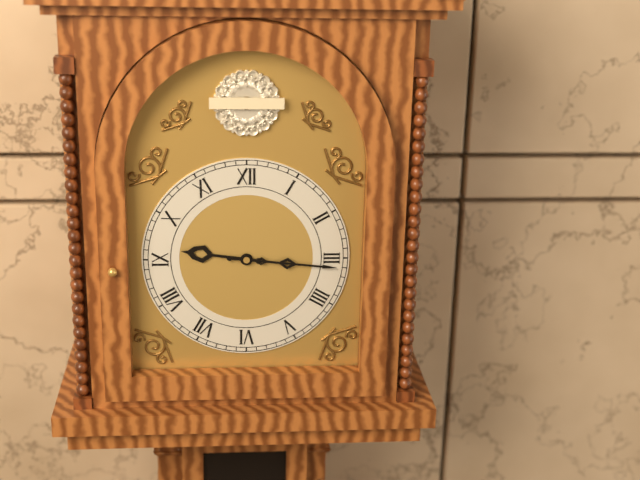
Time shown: h=9 m=16
